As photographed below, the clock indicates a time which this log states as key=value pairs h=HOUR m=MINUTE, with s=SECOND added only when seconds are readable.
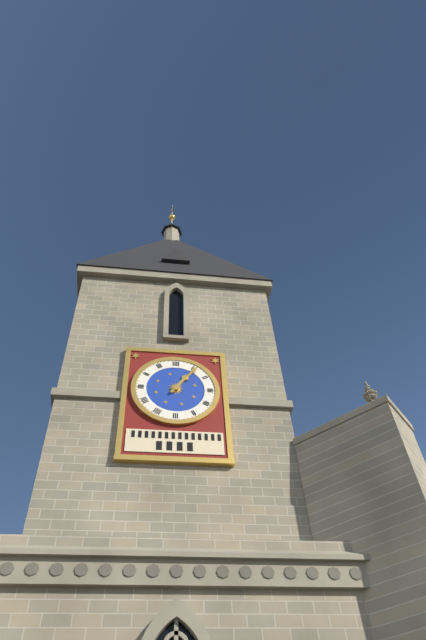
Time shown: h=1 m=6
